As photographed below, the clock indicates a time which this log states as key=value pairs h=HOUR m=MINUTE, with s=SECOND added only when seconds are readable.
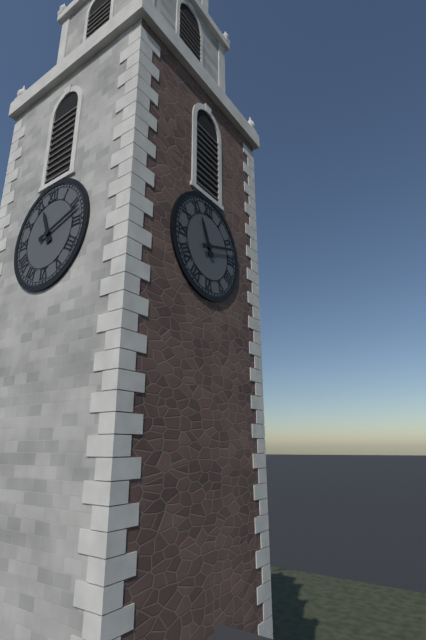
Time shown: h=11 m=12
